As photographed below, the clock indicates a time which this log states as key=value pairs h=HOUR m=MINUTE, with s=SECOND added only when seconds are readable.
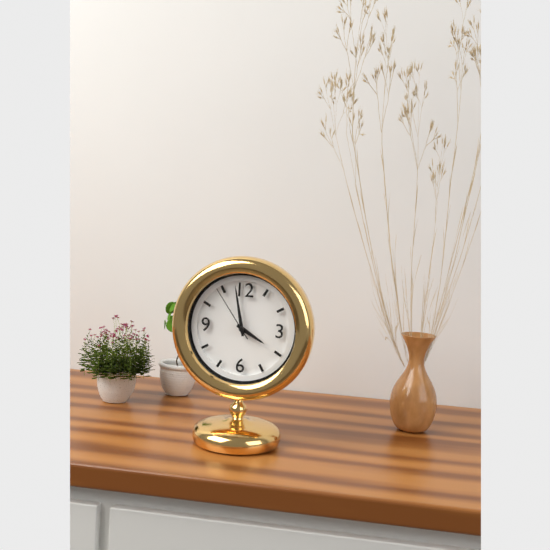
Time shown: h=3 m=58 s=54
